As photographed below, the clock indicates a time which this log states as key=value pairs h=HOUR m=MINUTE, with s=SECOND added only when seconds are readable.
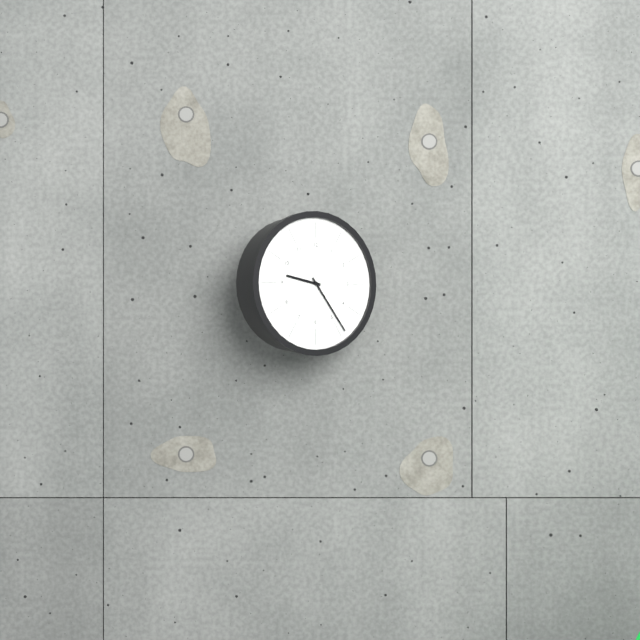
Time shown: h=9 m=24
